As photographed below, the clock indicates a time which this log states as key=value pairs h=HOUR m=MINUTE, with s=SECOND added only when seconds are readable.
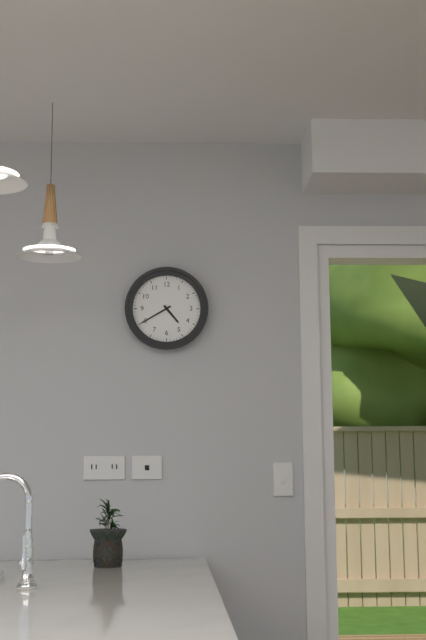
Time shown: h=4 m=40
